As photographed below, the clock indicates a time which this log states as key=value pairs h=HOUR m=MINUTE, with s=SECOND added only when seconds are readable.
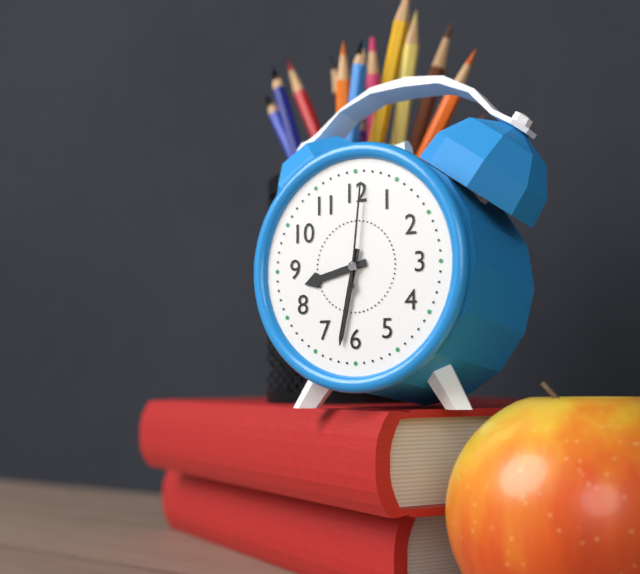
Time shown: h=8 m=32 s=1
